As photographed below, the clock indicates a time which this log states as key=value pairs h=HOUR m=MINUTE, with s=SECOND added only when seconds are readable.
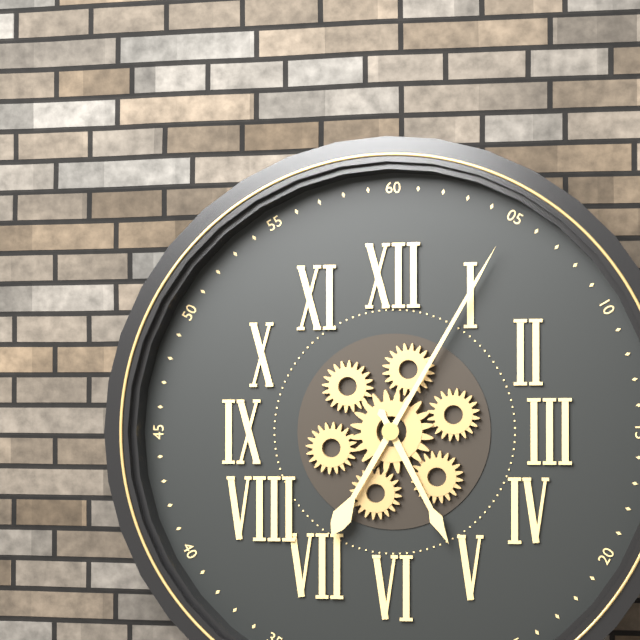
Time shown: h=5 m=5
